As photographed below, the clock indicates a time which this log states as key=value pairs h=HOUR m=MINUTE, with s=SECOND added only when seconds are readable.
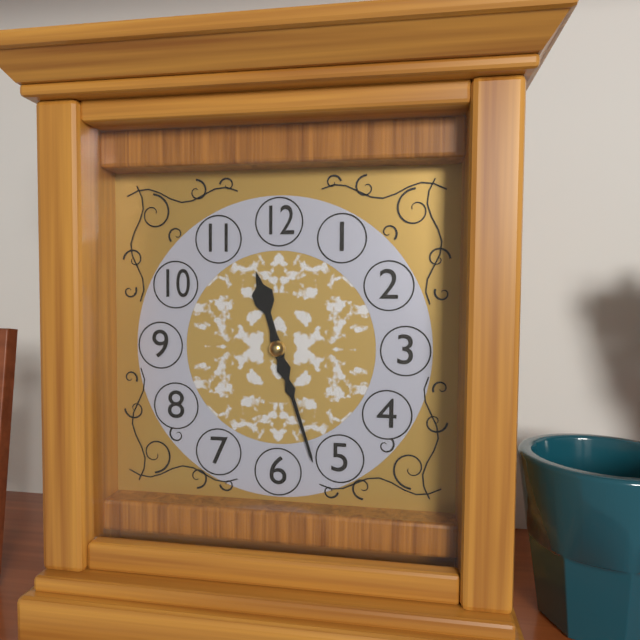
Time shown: h=11 m=27
